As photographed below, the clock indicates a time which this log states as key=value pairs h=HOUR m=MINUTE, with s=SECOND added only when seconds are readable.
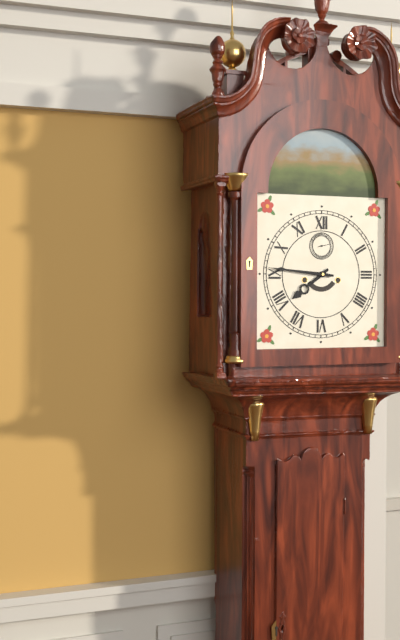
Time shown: h=7 m=46
